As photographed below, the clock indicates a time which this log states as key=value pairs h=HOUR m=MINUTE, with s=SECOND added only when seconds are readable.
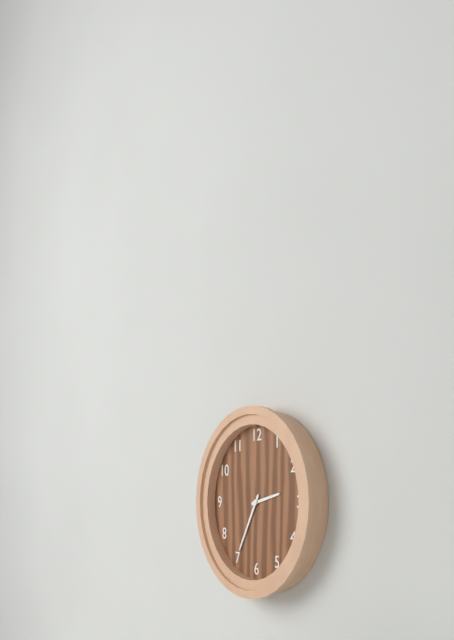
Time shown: h=2 m=35
